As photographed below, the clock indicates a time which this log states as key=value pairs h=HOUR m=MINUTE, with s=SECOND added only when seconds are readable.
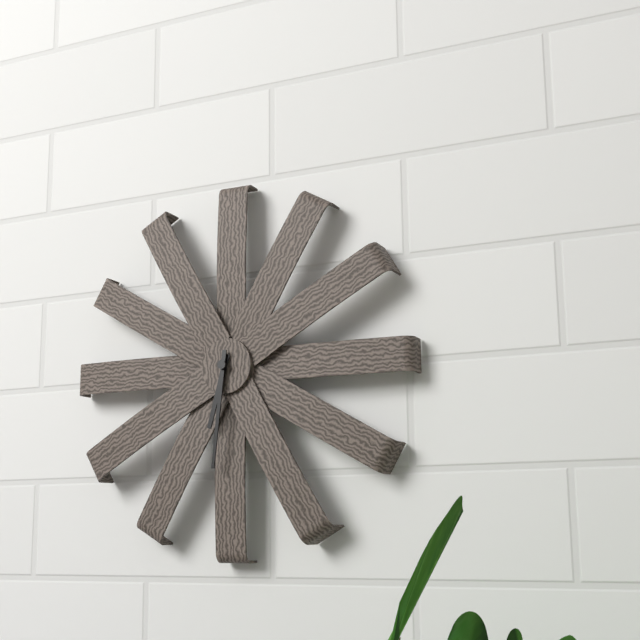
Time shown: h=6 m=31
